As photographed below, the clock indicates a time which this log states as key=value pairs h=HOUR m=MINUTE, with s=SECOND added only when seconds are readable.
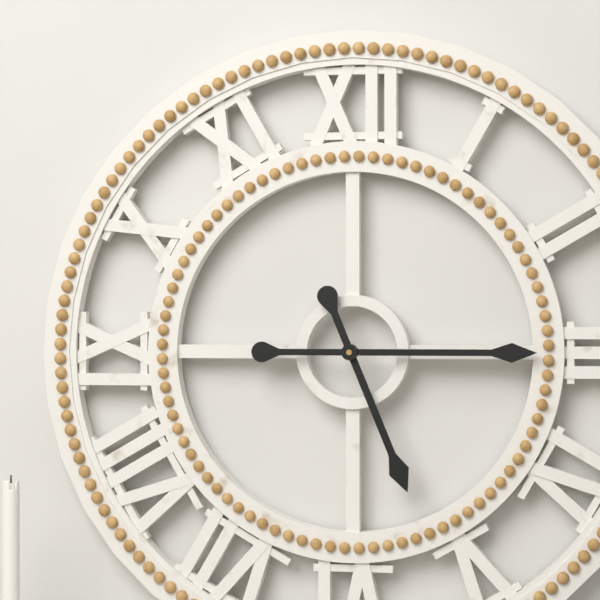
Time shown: h=5 m=15
